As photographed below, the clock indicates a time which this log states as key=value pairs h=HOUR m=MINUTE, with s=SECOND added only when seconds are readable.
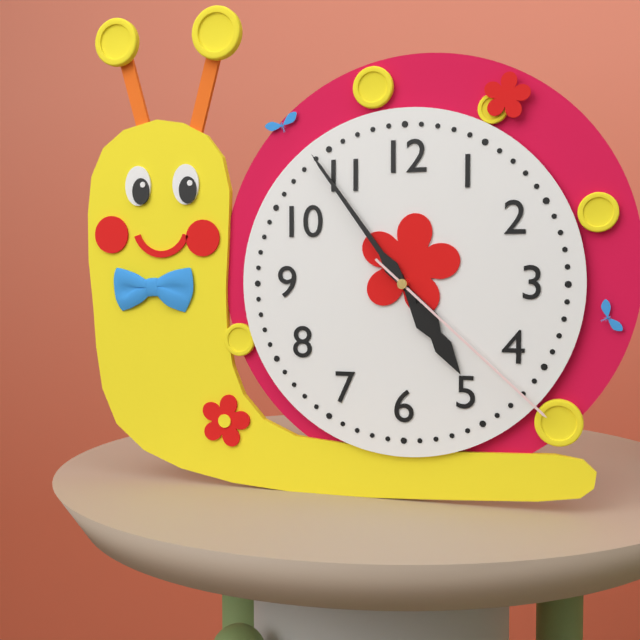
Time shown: h=4 m=54 s=22
